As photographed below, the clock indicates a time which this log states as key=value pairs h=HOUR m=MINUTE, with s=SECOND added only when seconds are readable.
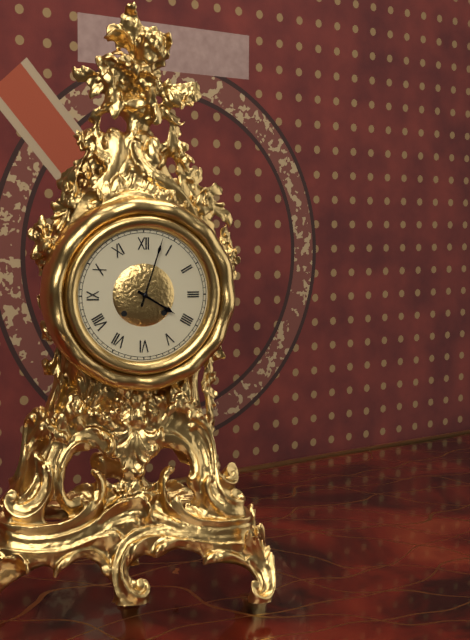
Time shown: h=4 m=3
